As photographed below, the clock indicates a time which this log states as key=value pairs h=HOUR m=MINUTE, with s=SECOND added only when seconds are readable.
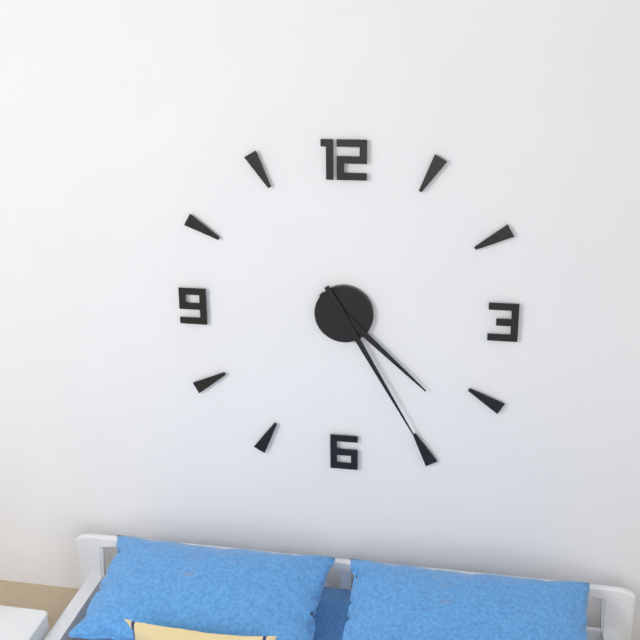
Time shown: h=4 m=25
